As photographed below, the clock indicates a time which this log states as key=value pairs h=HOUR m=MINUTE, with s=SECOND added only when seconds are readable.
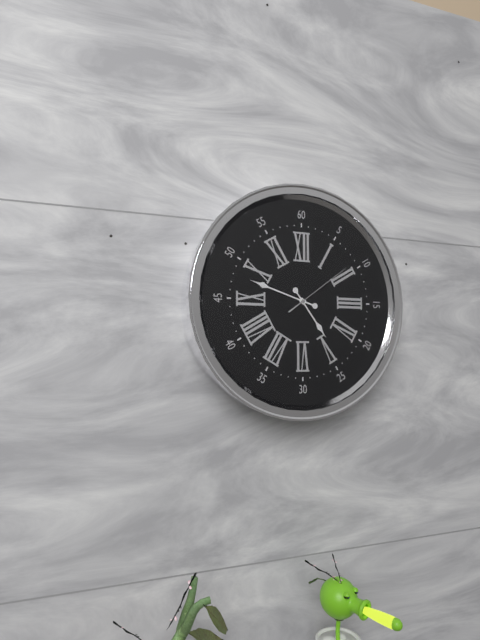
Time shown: h=4 m=48 s=9
